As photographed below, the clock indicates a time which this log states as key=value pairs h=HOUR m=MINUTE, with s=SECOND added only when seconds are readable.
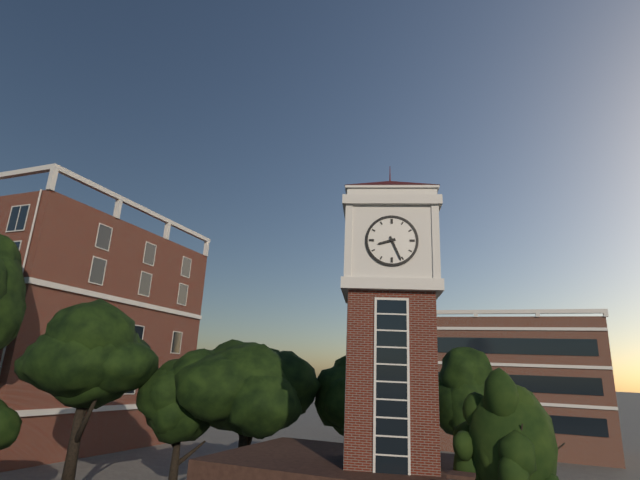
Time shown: h=8 m=26
